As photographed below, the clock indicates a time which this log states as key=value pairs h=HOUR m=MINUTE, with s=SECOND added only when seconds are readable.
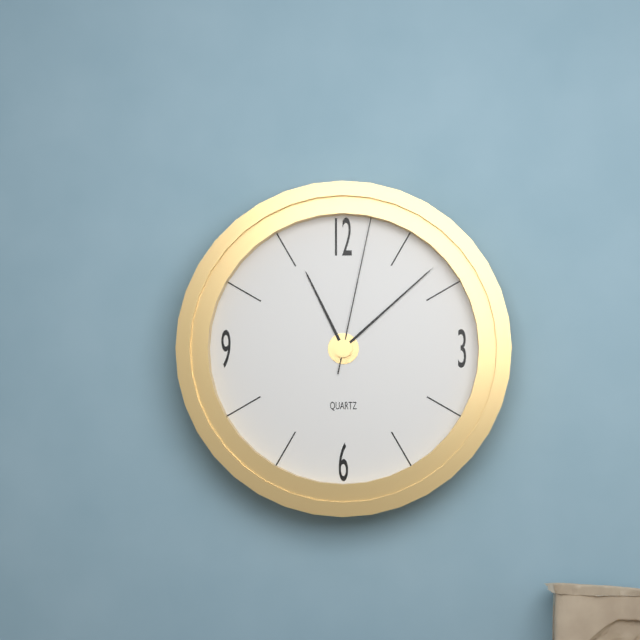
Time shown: h=11 m=8 s=2
